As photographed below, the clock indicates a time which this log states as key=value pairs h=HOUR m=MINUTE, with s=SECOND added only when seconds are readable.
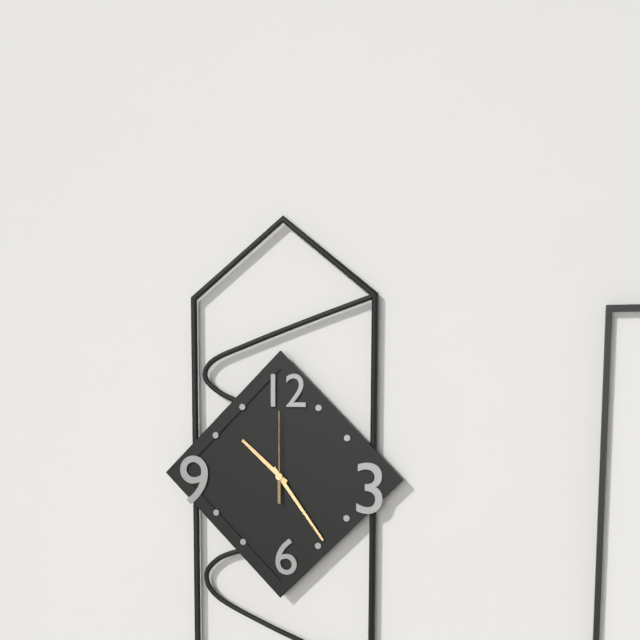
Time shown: h=10 m=24 s=0
